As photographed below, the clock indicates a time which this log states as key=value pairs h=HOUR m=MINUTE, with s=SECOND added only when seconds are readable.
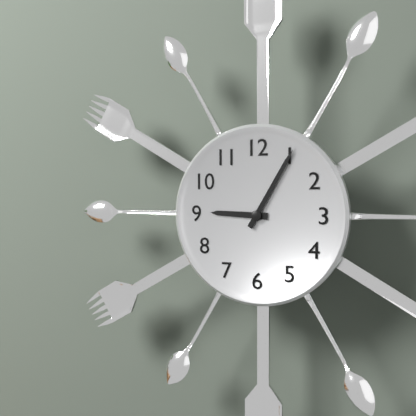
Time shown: h=9 m=5
